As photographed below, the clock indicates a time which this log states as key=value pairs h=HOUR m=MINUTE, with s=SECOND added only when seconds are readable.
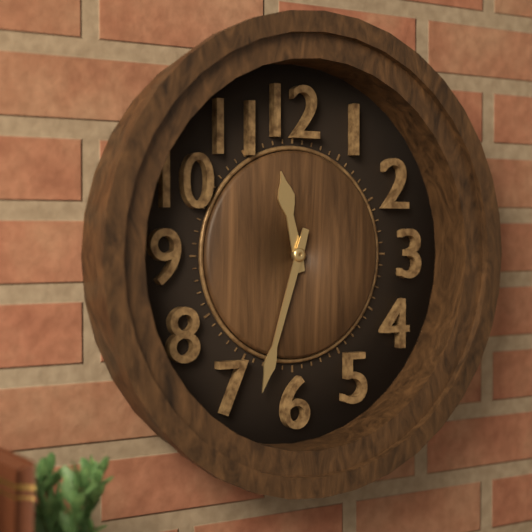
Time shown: h=11 m=33
